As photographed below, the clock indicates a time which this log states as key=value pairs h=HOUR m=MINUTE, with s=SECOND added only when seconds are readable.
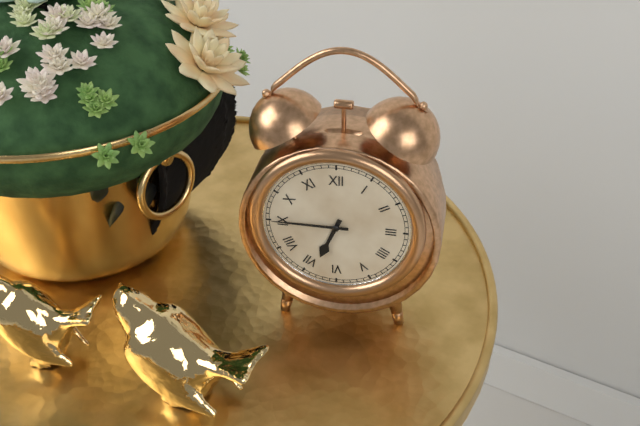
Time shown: h=6 m=45
